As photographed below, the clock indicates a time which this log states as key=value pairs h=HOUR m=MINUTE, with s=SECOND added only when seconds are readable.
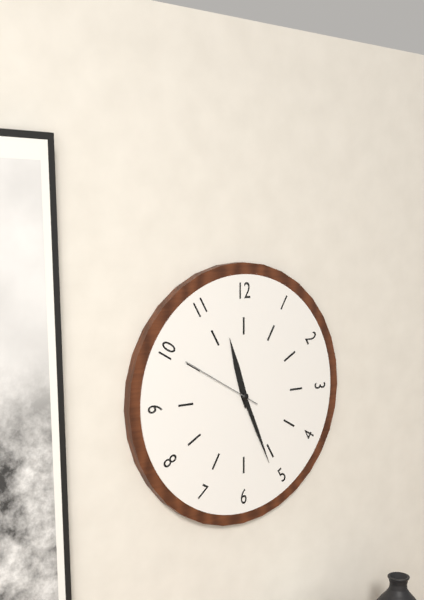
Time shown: h=11 m=26 s=50
